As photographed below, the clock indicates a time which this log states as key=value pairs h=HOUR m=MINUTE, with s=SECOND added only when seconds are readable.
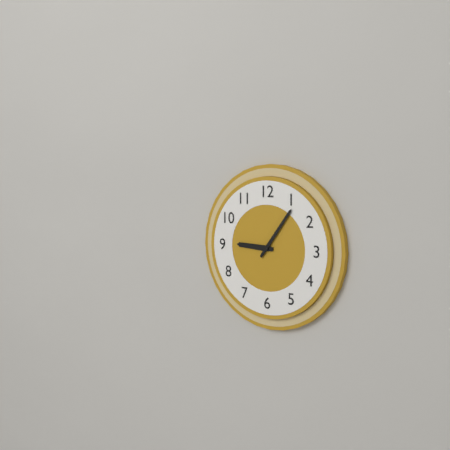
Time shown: h=9 m=6
